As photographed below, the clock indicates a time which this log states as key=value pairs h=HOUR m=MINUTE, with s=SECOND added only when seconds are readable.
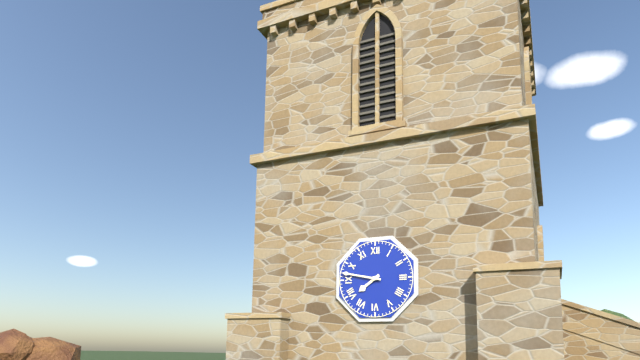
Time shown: h=7 m=47
